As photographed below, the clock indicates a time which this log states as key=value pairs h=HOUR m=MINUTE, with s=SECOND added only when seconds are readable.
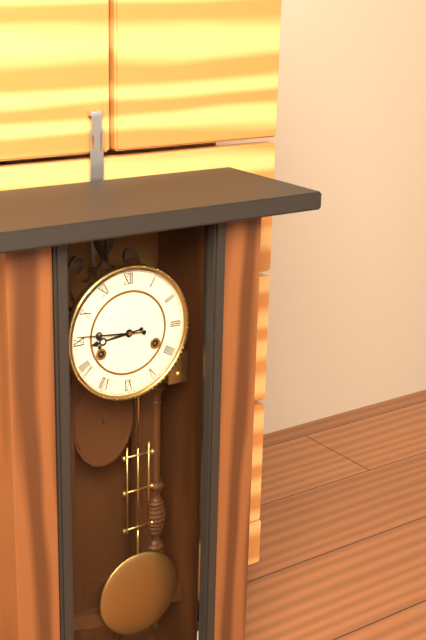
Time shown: h=8 m=46
